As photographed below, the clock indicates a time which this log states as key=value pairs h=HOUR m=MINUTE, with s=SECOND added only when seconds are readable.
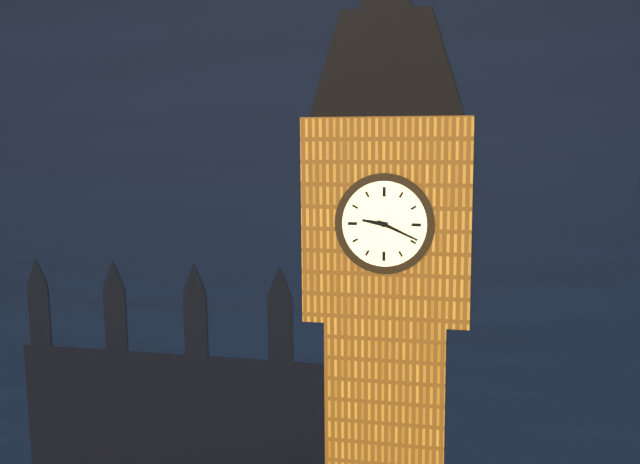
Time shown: h=9 m=19
